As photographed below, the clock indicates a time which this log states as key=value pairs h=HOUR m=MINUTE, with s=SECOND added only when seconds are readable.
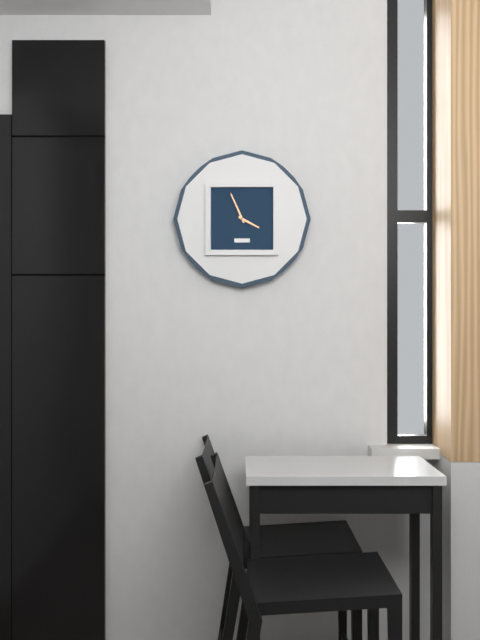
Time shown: h=3 m=56
